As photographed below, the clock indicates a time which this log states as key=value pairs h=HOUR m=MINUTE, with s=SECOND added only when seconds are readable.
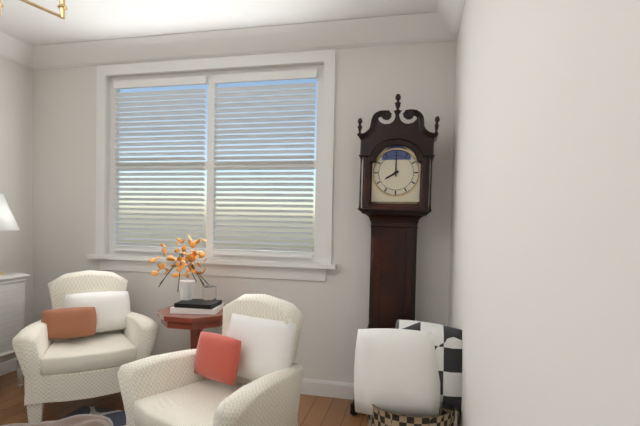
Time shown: h=8 m=0
